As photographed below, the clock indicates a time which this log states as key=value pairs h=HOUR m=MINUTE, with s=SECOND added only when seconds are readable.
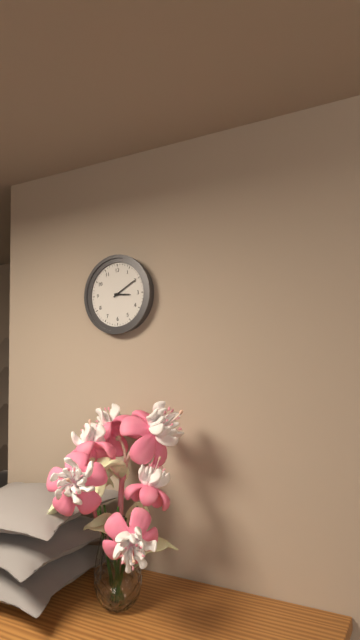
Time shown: h=3 m=10
